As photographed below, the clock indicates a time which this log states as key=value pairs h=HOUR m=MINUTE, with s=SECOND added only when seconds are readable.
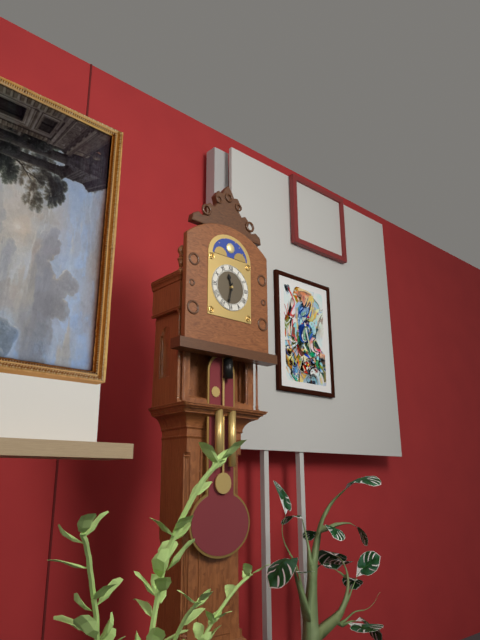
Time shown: h=11 m=32
